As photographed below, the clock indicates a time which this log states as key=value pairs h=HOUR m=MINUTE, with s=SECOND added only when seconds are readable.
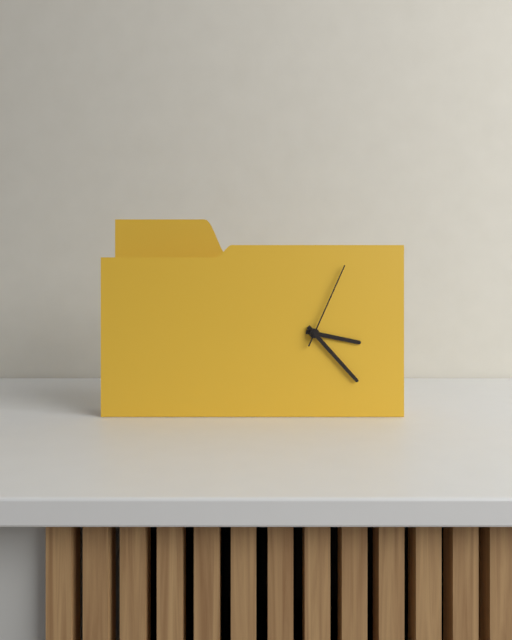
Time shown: h=3 m=23 s=4
